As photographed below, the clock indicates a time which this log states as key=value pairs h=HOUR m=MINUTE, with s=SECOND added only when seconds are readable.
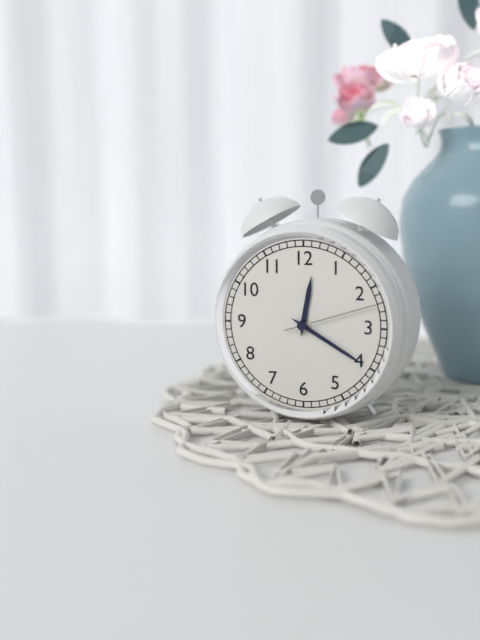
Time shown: h=12 m=20 s=12
